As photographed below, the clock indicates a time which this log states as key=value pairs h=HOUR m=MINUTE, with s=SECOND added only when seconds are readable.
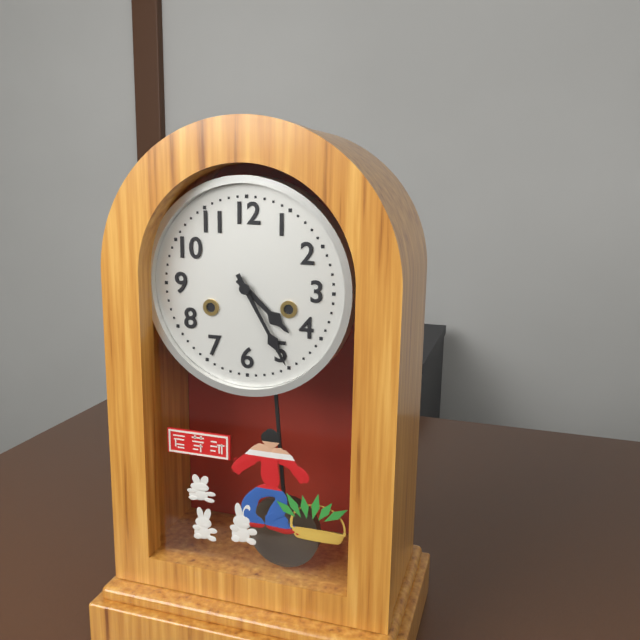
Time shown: h=4 m=25
